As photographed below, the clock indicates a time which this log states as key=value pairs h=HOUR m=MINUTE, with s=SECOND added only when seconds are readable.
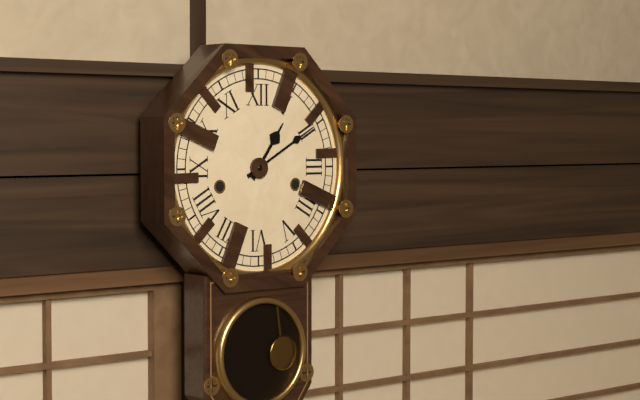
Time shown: h=1 m=10
